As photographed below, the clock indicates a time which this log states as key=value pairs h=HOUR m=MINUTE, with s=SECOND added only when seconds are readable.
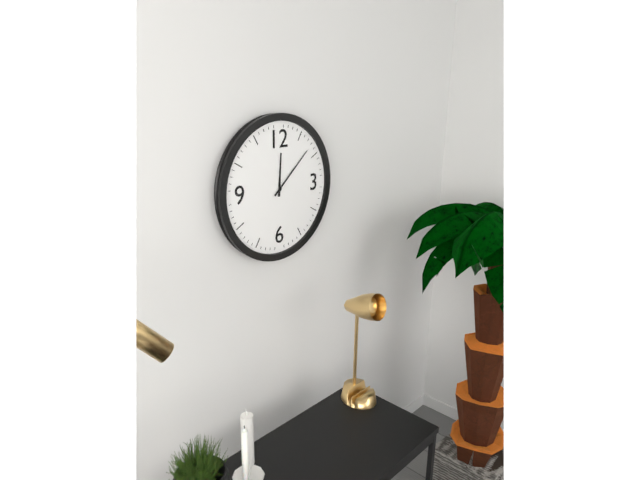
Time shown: h=12 m=8
